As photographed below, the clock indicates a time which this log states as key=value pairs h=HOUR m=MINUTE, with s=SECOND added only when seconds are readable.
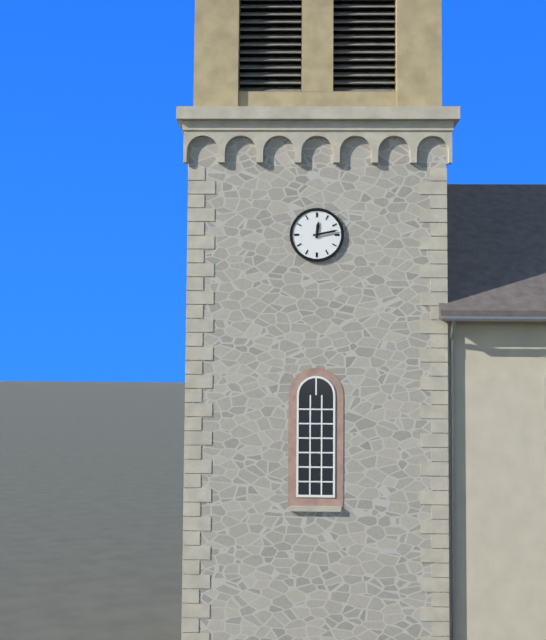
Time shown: h=12 m=13
